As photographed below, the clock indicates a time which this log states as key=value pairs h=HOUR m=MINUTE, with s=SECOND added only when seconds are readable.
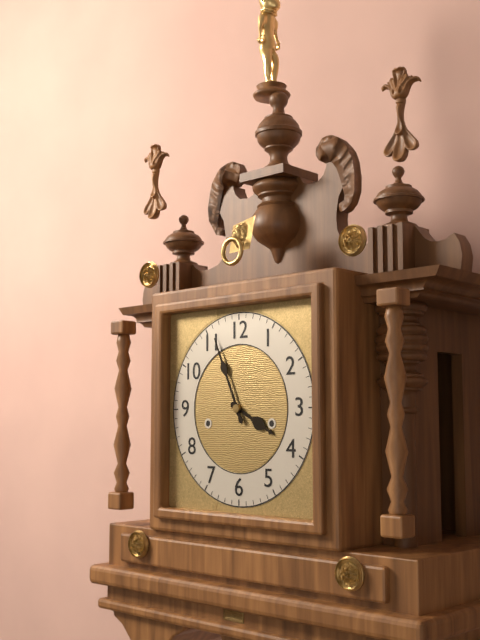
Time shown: h=3 m=56
